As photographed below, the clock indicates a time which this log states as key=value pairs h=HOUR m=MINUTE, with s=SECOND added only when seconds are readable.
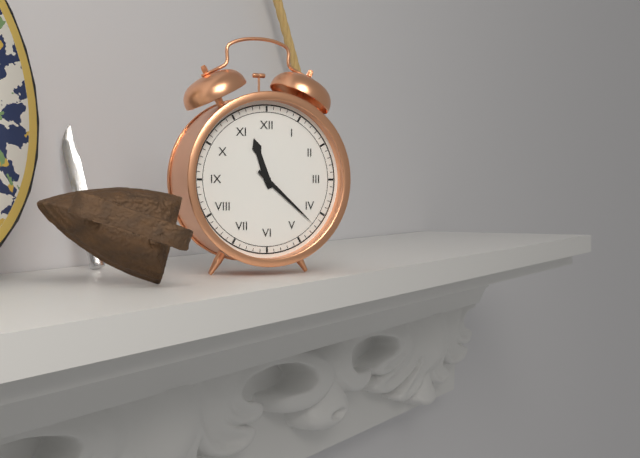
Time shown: h=11 m=22
